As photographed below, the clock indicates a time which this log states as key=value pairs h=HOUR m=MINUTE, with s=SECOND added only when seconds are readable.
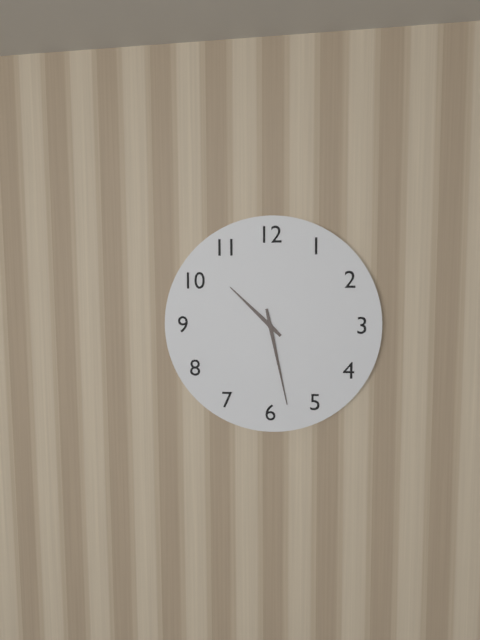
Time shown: h=10 m=28
